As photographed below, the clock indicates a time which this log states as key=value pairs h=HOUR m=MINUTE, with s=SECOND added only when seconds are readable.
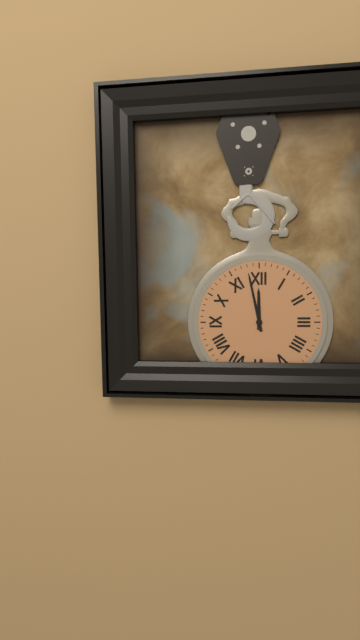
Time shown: h=11 m=58
